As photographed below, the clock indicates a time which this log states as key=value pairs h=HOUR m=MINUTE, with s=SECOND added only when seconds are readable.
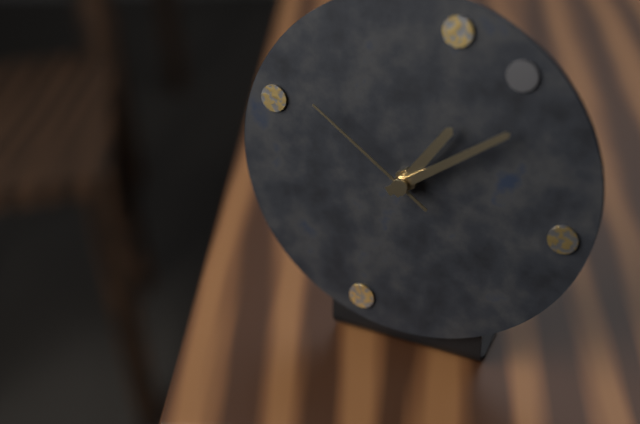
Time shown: h=1 m=9 s=51
